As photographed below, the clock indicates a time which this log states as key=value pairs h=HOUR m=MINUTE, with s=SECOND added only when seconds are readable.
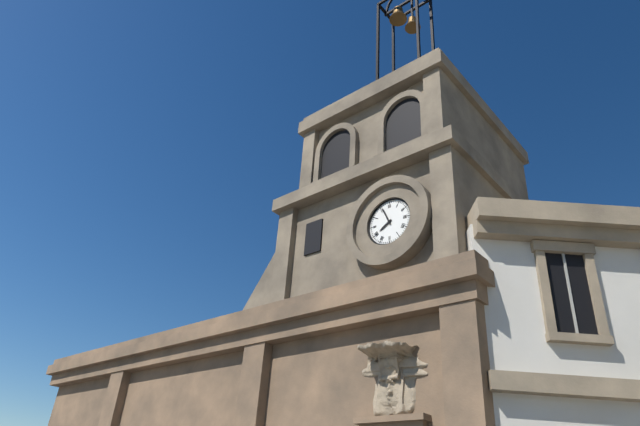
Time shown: h=7 m=56
